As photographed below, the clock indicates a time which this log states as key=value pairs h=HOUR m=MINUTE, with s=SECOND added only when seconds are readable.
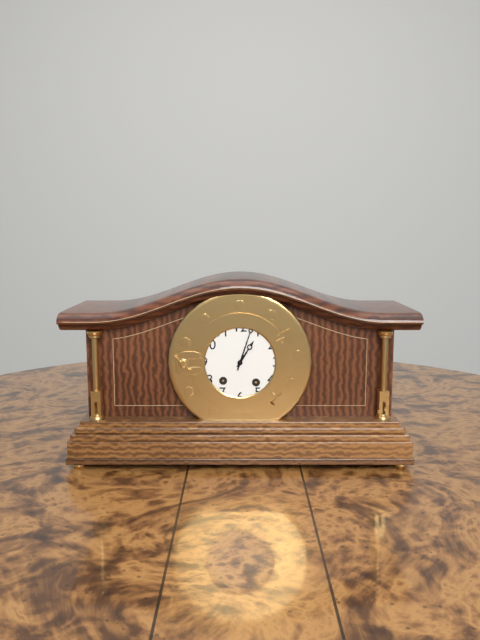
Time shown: h=1 m=3
